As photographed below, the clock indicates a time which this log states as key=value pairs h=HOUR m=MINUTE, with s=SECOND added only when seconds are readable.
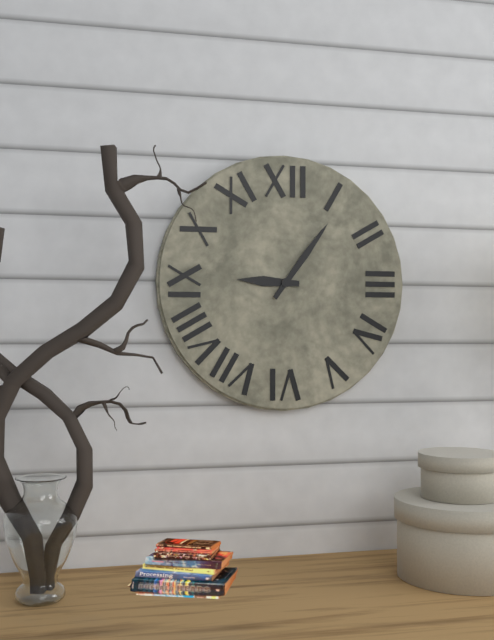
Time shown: h=9 m=6
